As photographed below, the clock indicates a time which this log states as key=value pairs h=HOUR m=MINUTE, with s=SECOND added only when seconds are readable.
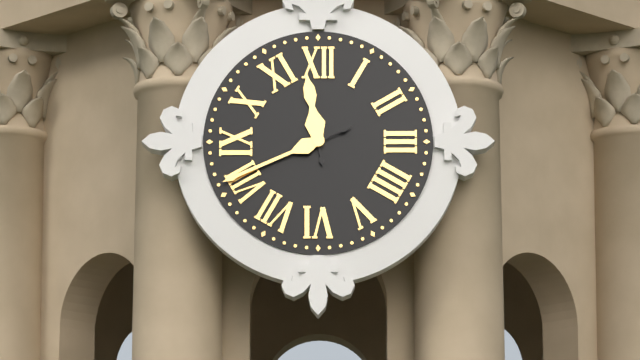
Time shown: h=11 m=41
